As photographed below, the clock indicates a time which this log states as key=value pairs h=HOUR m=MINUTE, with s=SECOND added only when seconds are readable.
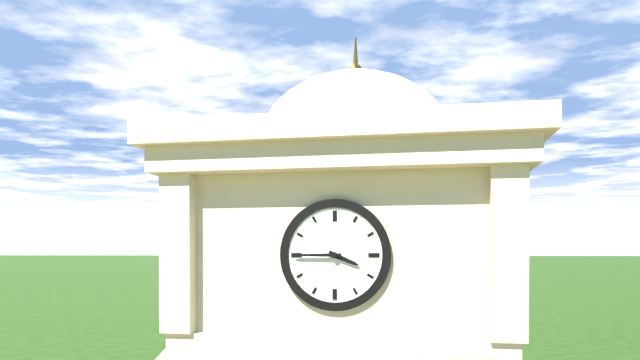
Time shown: h=3 m=45
